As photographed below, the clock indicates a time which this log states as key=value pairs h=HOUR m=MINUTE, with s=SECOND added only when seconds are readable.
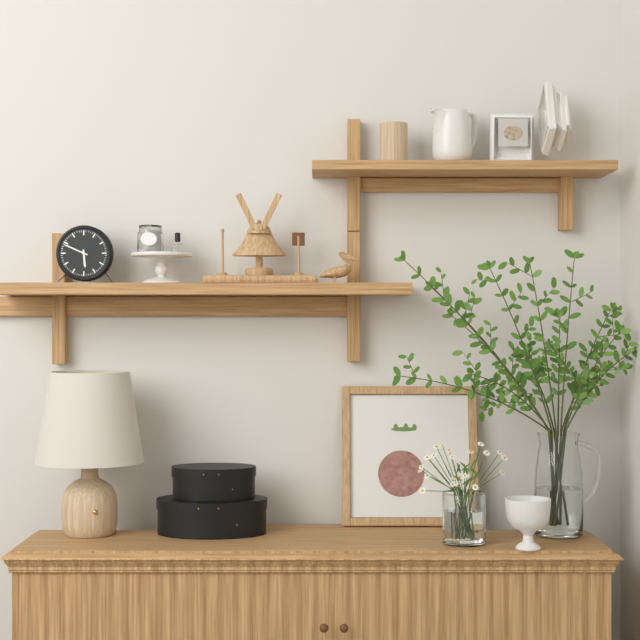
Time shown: h=5 m=49
